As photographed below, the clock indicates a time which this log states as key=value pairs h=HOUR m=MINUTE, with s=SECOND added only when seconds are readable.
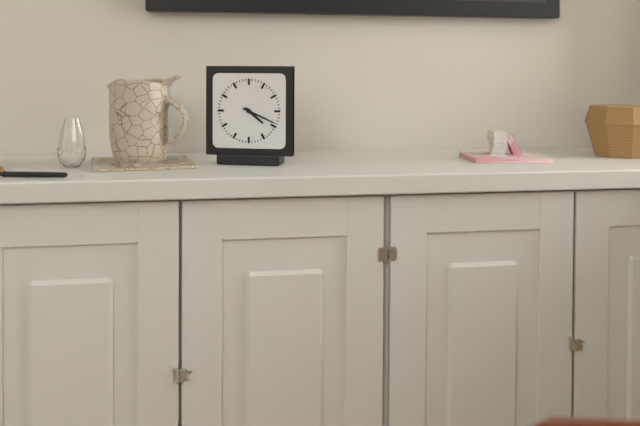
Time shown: h=4 m=19
